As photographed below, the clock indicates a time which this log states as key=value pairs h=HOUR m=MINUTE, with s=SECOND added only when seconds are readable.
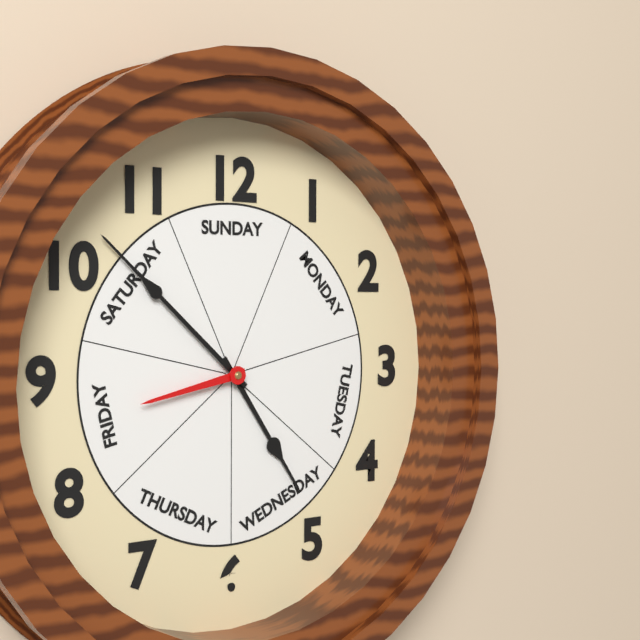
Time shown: h=4 m=52 s=43
